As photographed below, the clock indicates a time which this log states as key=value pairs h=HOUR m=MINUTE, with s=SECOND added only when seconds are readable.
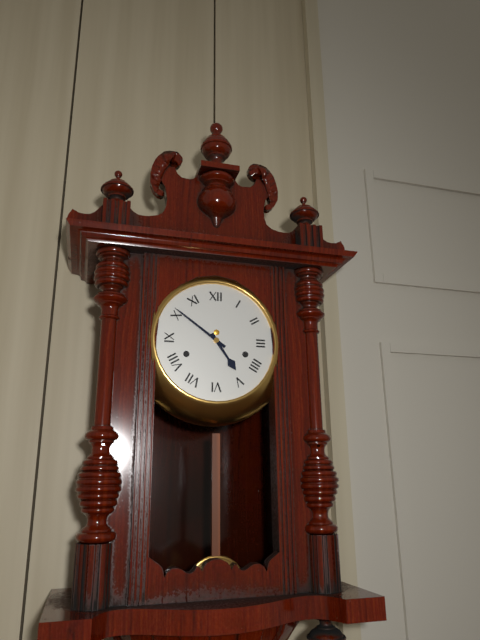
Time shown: h=4 m=51
